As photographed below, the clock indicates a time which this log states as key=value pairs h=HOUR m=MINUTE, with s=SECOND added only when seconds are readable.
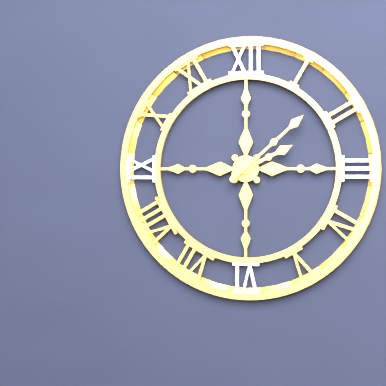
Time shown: h=2 m=8
